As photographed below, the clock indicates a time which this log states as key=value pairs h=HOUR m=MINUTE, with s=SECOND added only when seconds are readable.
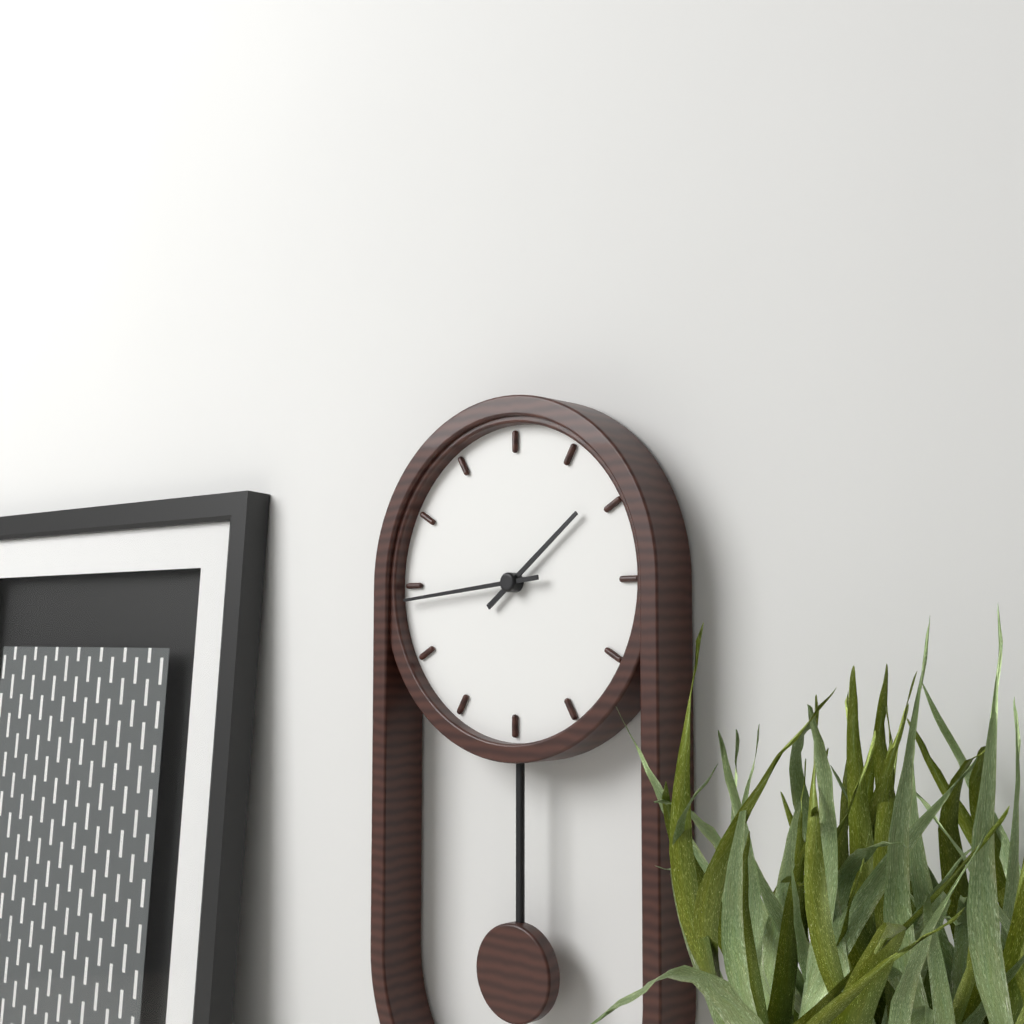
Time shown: h=1 m=44
